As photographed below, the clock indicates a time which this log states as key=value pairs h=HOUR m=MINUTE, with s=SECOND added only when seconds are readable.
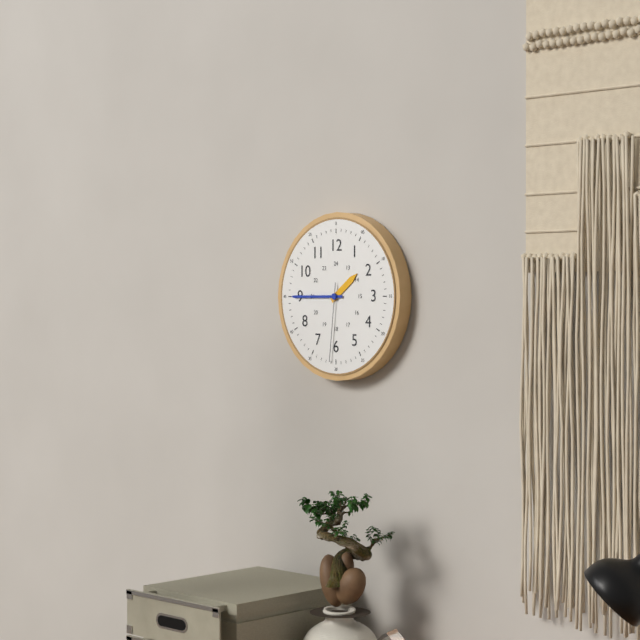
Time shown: h=1 m=45 s=31
